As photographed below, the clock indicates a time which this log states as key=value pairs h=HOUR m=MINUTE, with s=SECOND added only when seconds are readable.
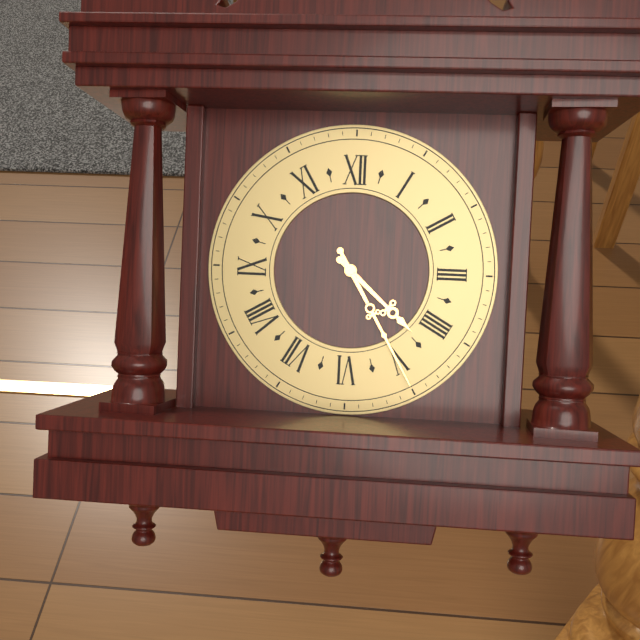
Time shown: h=4 m=25
